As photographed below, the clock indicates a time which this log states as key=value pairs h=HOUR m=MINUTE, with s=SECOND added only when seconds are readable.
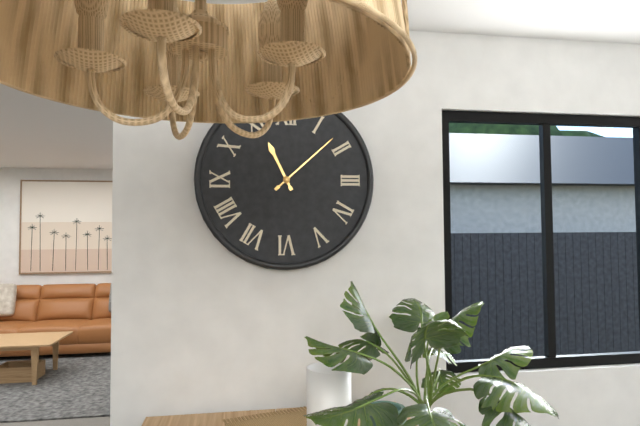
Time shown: h=11 m=8
